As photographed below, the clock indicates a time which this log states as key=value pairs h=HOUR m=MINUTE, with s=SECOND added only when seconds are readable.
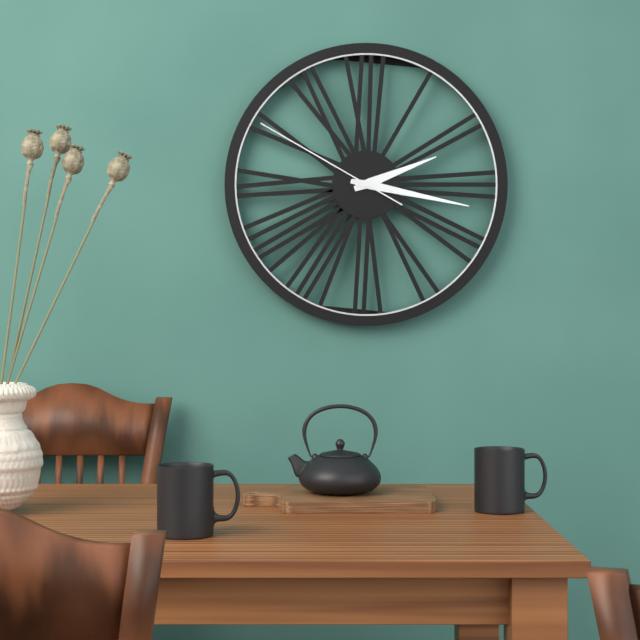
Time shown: h=2 m=17 s=50
